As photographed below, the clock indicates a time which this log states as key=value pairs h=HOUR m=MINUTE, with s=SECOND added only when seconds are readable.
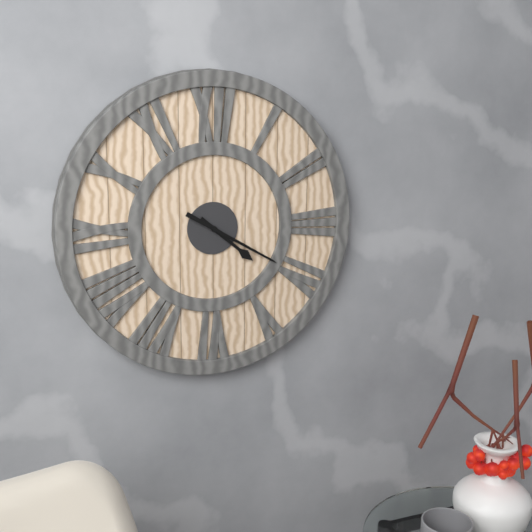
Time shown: h=4 m=20
